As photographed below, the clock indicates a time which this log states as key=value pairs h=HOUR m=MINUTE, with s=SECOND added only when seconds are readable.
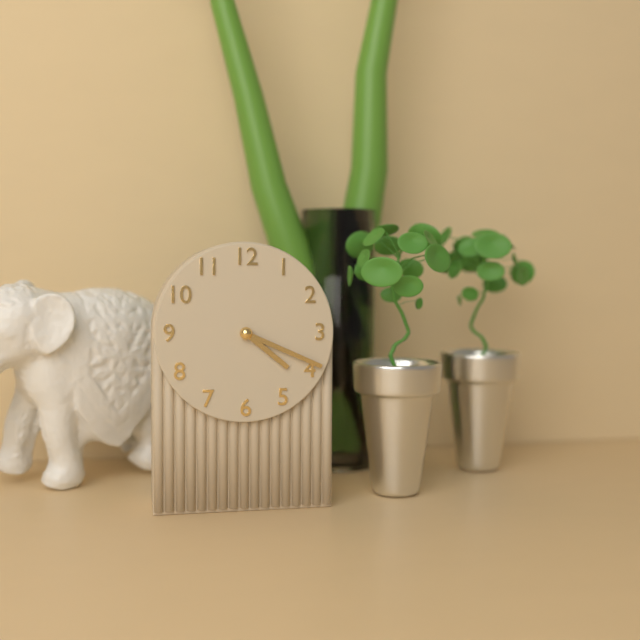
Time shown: h=4 m=19
